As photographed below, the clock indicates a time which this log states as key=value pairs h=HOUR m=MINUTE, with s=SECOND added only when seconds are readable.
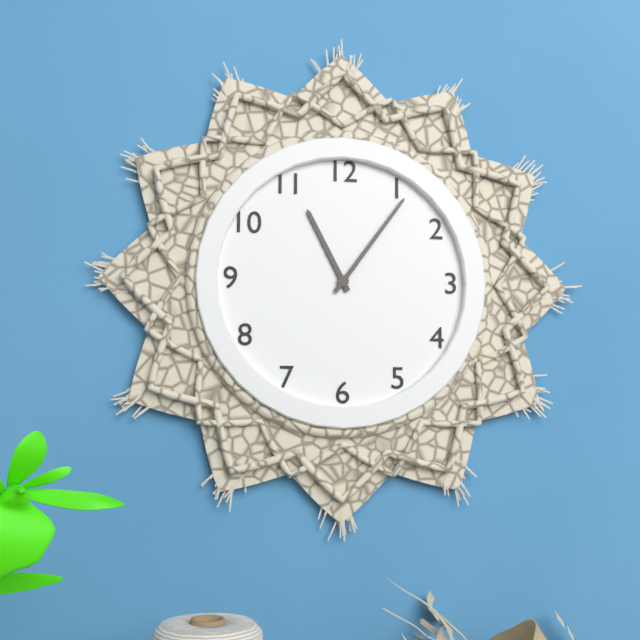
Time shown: h=11 m=6
